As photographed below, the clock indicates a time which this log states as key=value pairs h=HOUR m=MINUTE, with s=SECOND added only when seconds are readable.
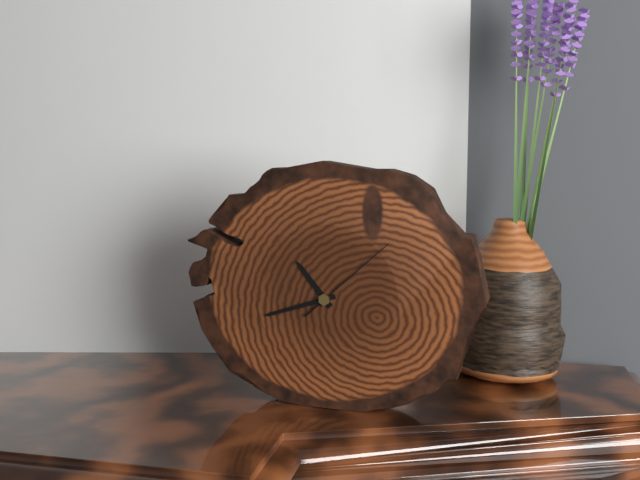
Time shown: h=10 m=42 s=8
